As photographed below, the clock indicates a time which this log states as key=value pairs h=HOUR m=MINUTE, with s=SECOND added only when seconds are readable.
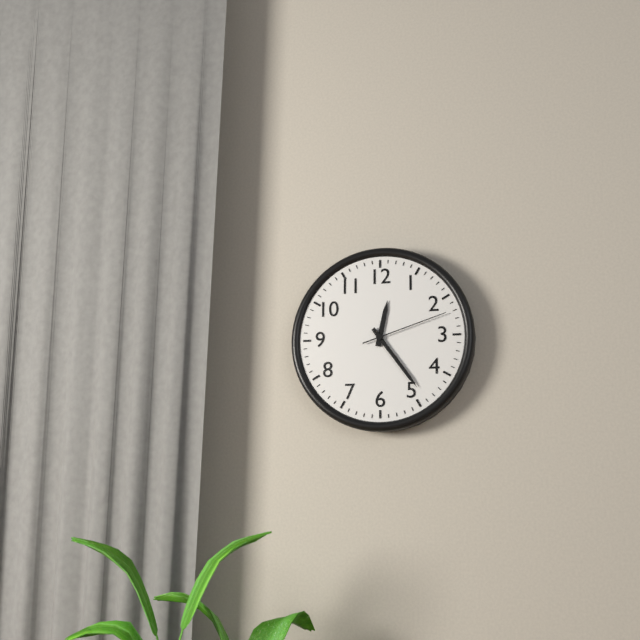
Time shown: h=12 m=24 s=12
